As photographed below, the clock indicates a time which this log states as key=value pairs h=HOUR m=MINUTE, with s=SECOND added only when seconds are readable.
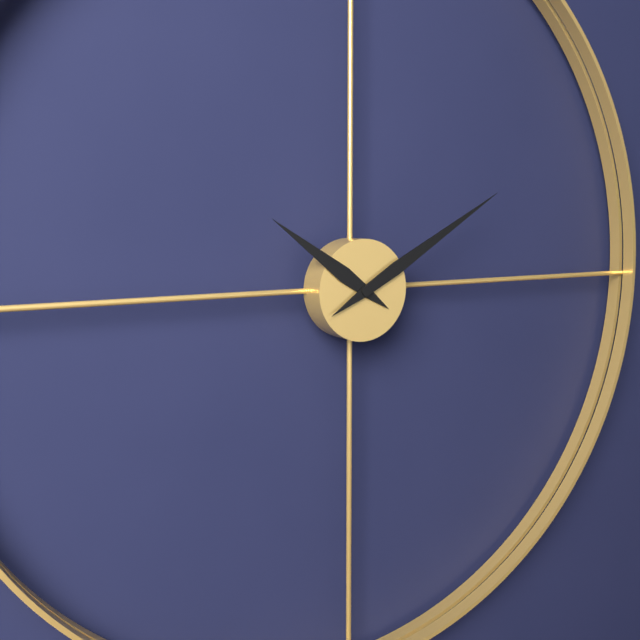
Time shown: h=10 m=10
